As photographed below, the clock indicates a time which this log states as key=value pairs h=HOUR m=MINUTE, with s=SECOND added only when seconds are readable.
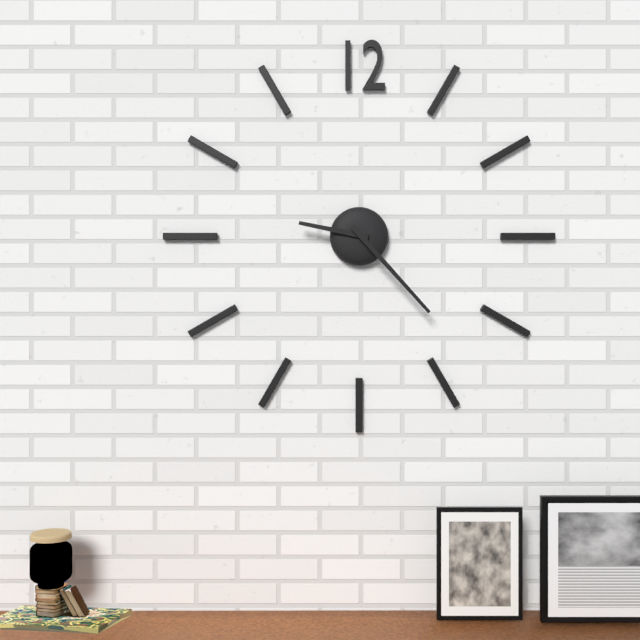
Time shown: h=9 m=23
